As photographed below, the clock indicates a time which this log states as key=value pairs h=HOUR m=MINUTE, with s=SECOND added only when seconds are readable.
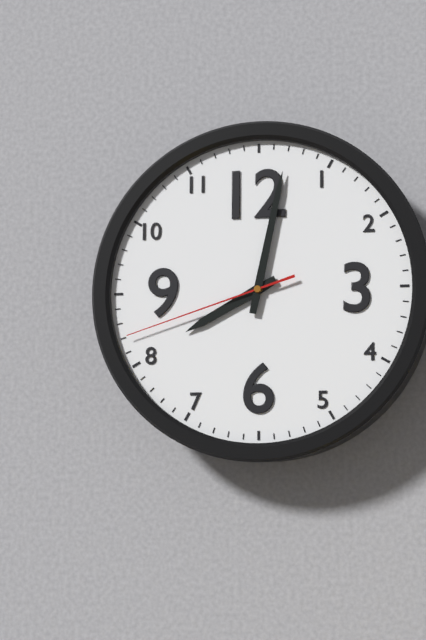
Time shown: h=8 m=2 s=42
